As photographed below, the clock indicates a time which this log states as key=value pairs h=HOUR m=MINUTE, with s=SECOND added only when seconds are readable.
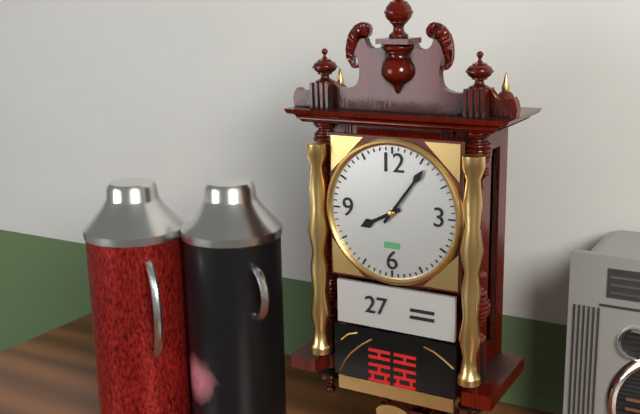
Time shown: h=8 m=6
